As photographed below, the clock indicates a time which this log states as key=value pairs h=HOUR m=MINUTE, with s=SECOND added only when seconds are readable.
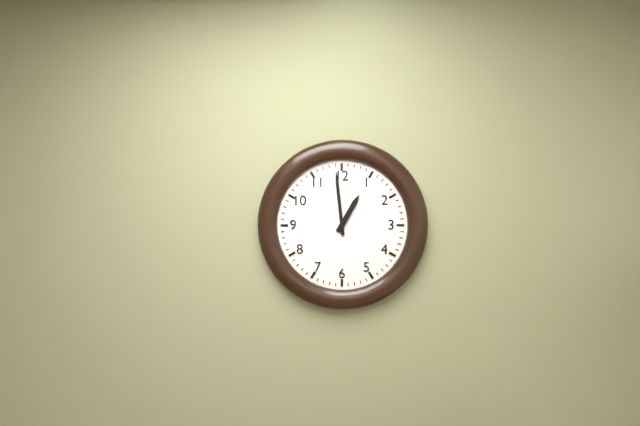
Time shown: h=12 m=59
